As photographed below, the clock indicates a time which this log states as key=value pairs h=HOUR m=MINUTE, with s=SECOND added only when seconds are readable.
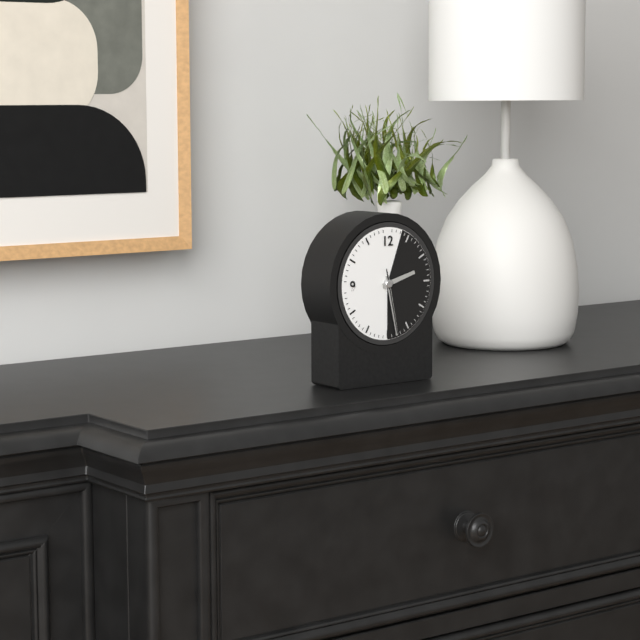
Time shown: h=2 m=28 s=28
